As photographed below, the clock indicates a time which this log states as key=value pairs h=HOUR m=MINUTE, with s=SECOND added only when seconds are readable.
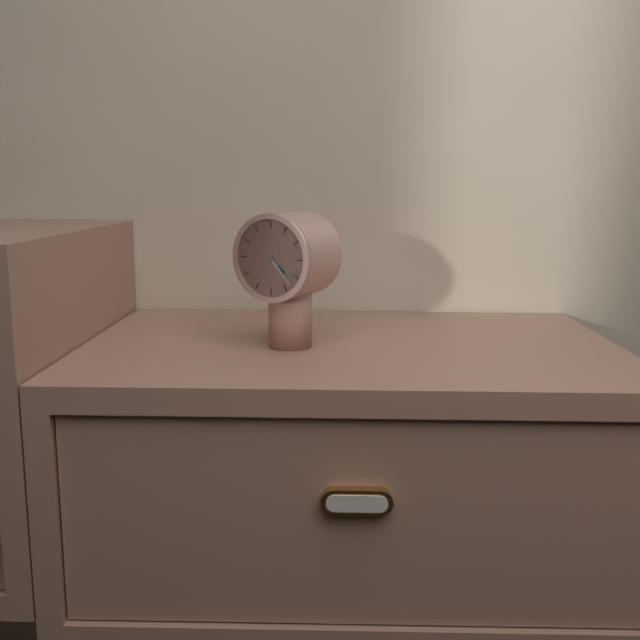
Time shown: h=4 m=23
